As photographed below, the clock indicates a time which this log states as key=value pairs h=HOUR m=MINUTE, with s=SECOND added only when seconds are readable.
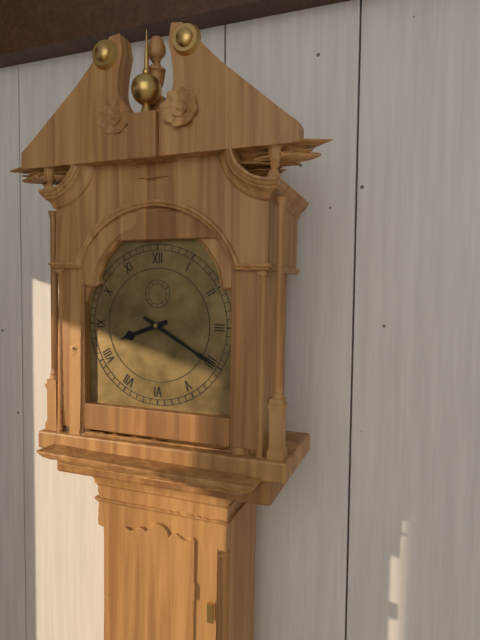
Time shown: h=8 m=20
